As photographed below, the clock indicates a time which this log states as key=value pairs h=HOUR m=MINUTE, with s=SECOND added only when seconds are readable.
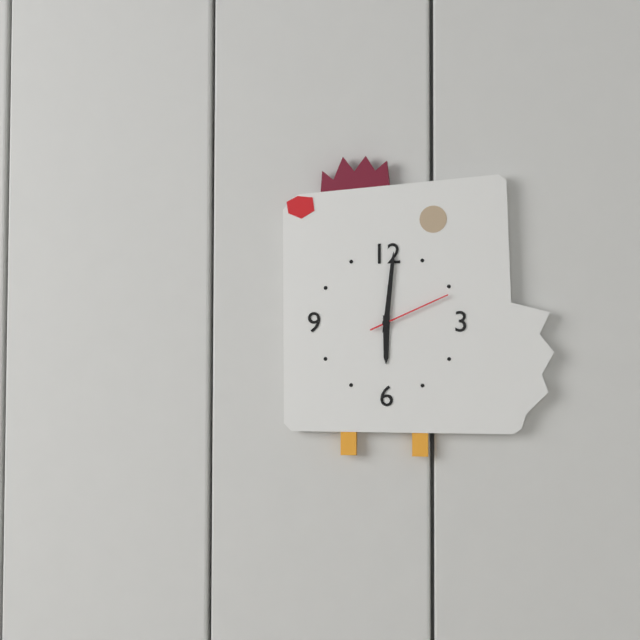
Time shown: h=6 m=1 s=11
